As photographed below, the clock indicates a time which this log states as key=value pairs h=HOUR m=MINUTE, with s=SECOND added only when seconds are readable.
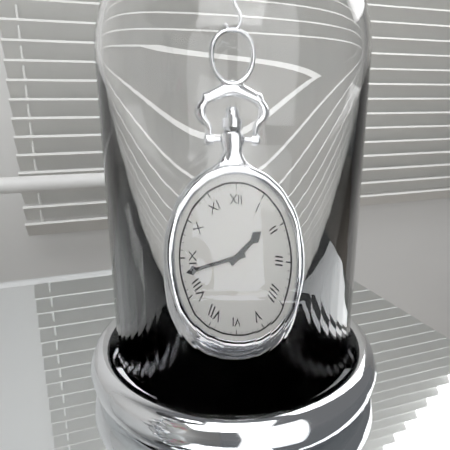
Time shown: h=1 m=43
